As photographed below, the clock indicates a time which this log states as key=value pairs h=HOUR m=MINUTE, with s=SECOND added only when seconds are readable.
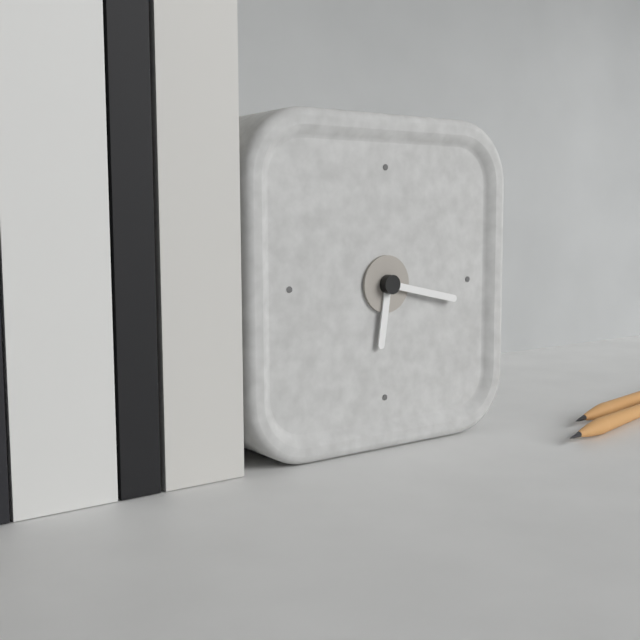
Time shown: h=6 m=17
